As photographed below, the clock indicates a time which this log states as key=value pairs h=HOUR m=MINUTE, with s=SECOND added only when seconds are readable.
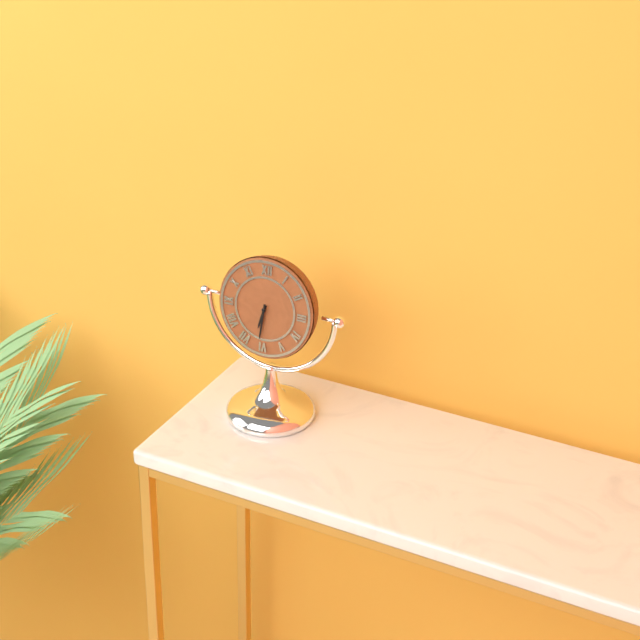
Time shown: h=6 m=31
